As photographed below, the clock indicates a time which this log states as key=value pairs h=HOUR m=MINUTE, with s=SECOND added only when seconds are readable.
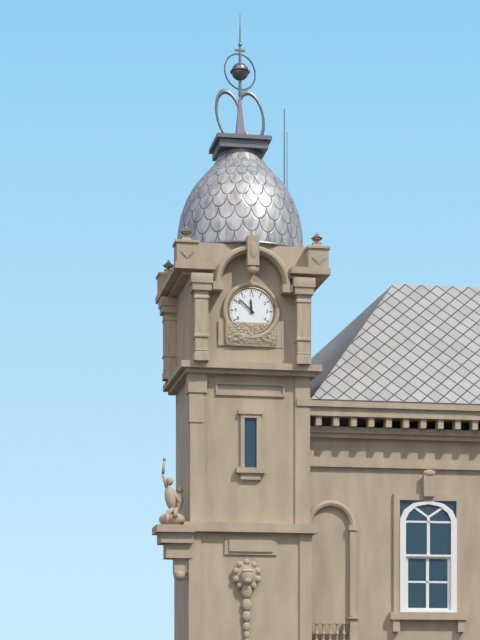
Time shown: h=11 m=52
